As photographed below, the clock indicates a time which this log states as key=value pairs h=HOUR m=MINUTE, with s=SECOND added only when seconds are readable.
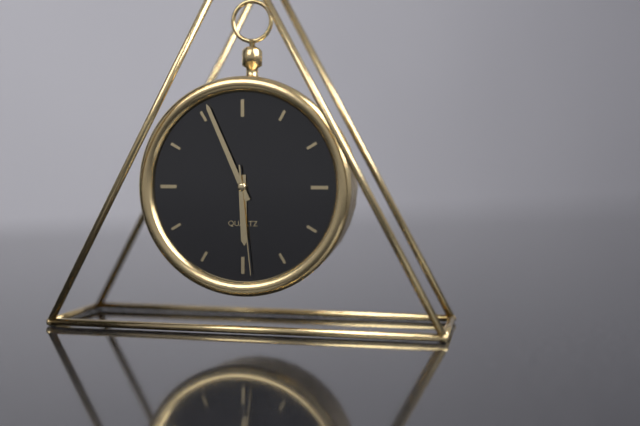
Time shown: h=5 m=56 s=29
